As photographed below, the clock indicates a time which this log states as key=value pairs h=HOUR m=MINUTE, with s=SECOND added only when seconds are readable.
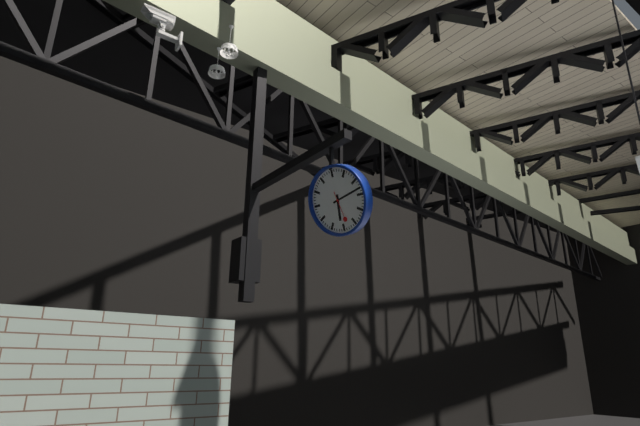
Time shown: h=6 m=13
